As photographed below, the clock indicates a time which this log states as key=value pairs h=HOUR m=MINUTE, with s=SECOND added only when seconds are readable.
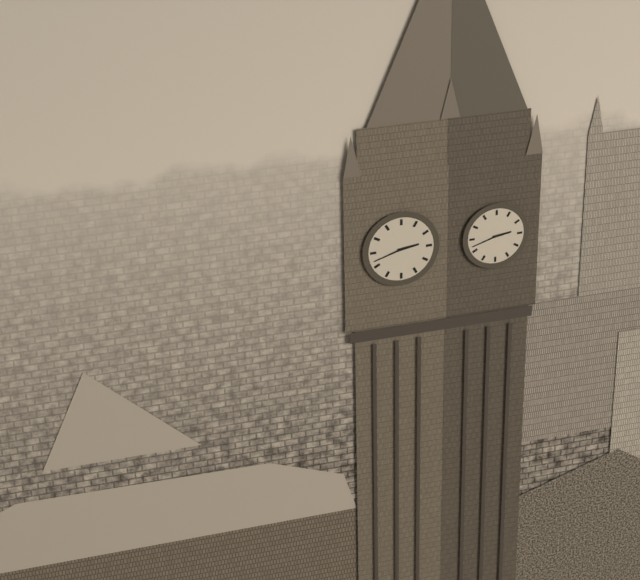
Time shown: h=2 m=42
